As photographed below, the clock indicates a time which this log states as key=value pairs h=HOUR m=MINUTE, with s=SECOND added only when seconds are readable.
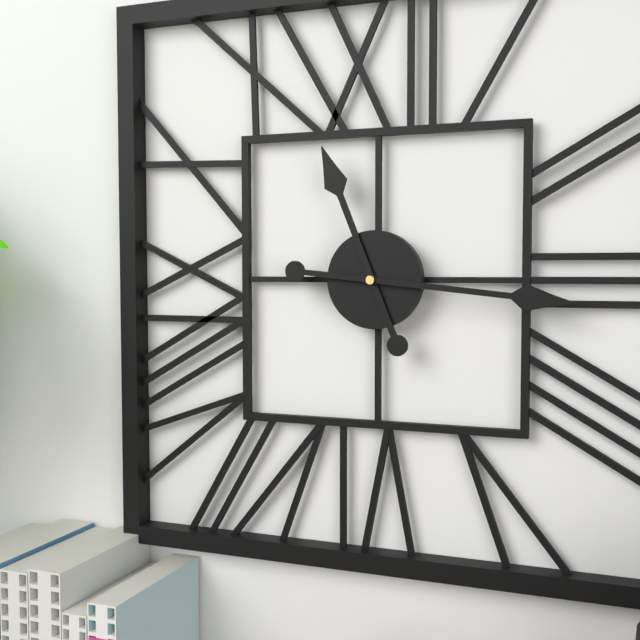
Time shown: h=11 m=16
